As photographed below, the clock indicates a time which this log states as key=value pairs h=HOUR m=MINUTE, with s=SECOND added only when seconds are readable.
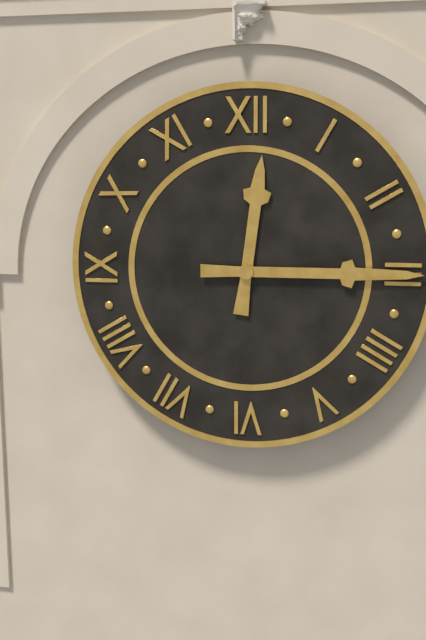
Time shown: h=12 m=15
